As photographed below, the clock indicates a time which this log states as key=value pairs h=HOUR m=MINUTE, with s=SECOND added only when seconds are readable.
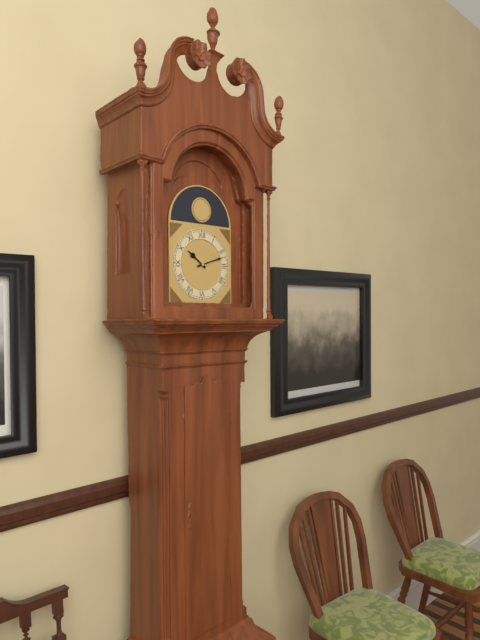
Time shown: h=10 m=12
